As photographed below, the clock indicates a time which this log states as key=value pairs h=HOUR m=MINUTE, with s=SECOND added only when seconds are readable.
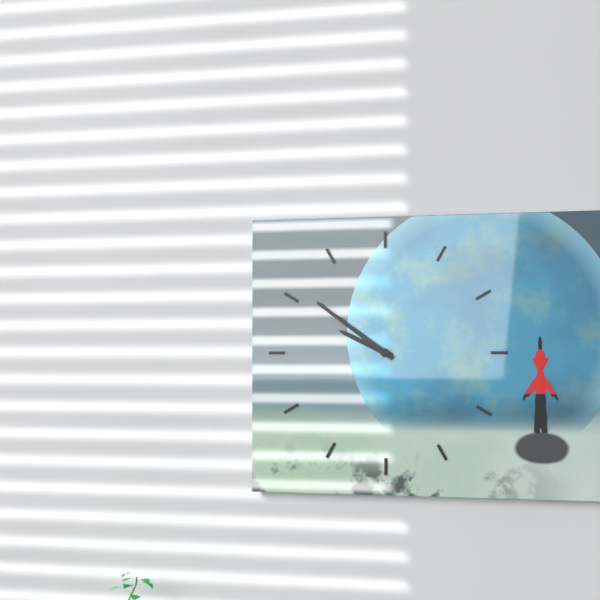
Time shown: h=9 m=51
